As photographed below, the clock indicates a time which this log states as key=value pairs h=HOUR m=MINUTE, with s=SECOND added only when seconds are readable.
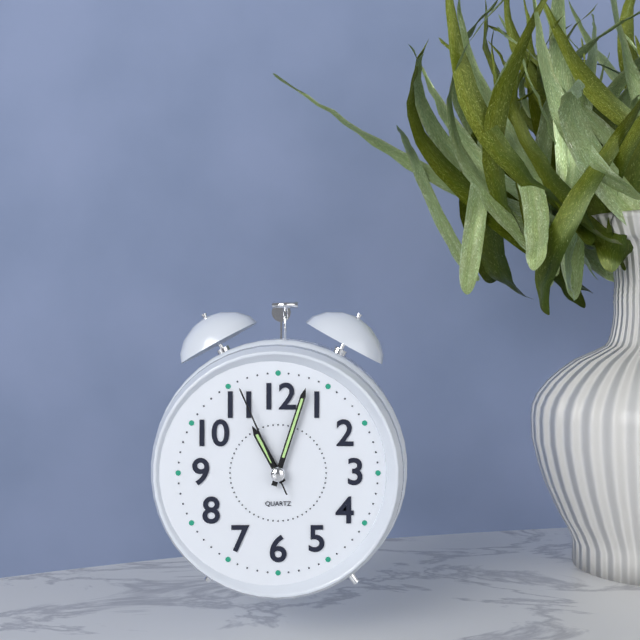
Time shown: h=11 m=3 s=56
